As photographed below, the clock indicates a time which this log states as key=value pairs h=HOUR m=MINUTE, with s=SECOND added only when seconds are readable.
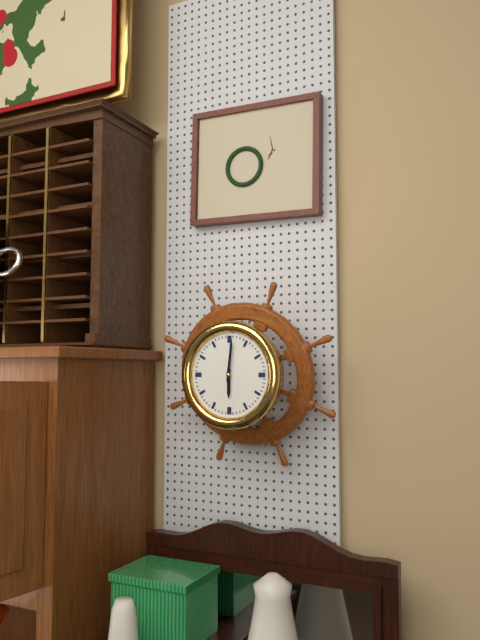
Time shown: h=6 m=1
